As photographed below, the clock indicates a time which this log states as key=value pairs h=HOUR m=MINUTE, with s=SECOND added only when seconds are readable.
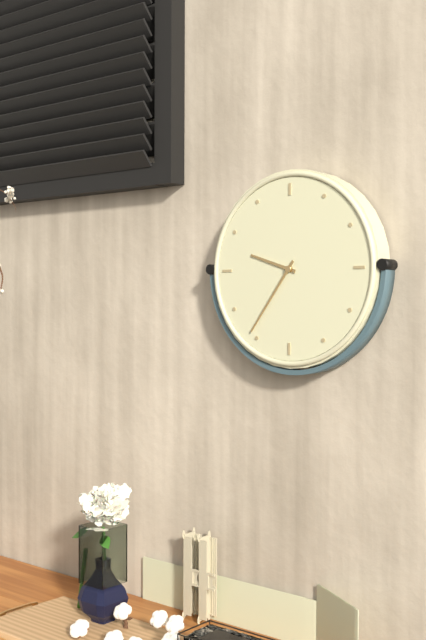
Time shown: h=9 m=36
